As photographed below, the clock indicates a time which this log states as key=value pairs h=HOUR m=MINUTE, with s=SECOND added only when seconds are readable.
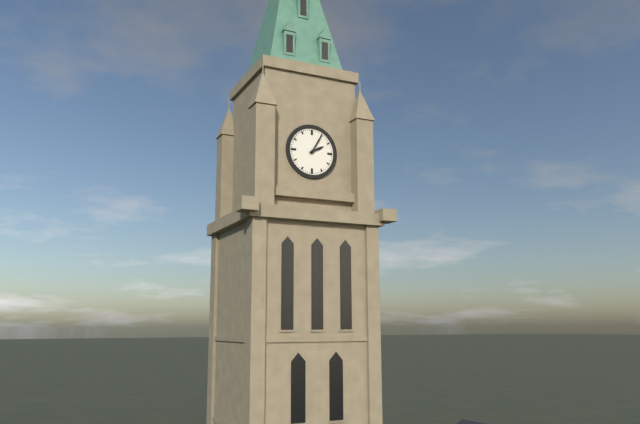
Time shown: h=2 m=5
